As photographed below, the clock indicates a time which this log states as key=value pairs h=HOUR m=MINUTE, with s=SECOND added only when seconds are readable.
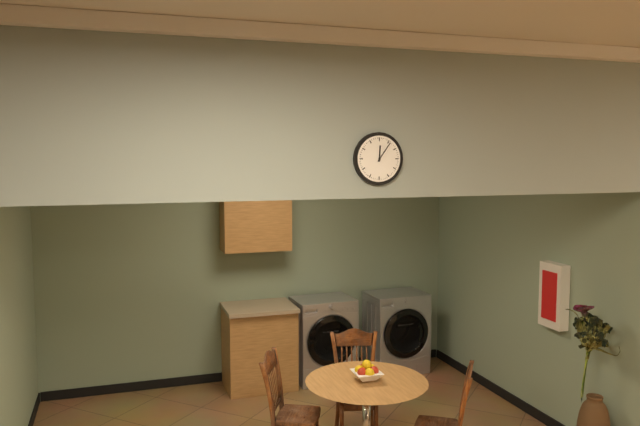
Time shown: h=12 m=6
